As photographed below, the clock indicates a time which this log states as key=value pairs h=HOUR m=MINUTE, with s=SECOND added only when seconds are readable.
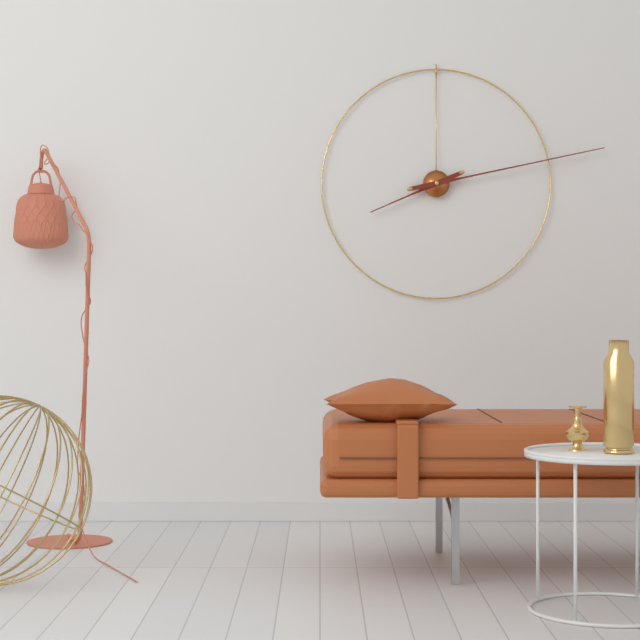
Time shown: h=8 m=13
